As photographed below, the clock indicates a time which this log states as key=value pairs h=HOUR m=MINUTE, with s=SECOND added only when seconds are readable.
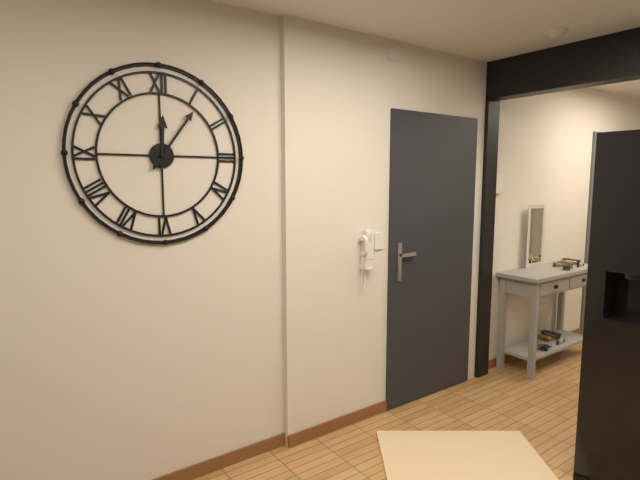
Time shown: h=12 m=6
